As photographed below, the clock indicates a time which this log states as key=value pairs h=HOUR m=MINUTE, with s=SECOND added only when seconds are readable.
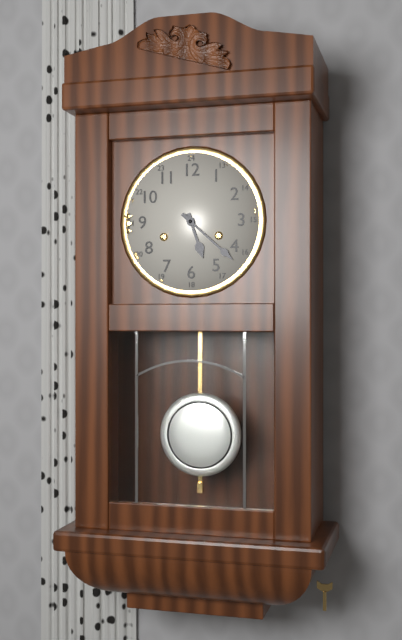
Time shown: h=5 m=22
